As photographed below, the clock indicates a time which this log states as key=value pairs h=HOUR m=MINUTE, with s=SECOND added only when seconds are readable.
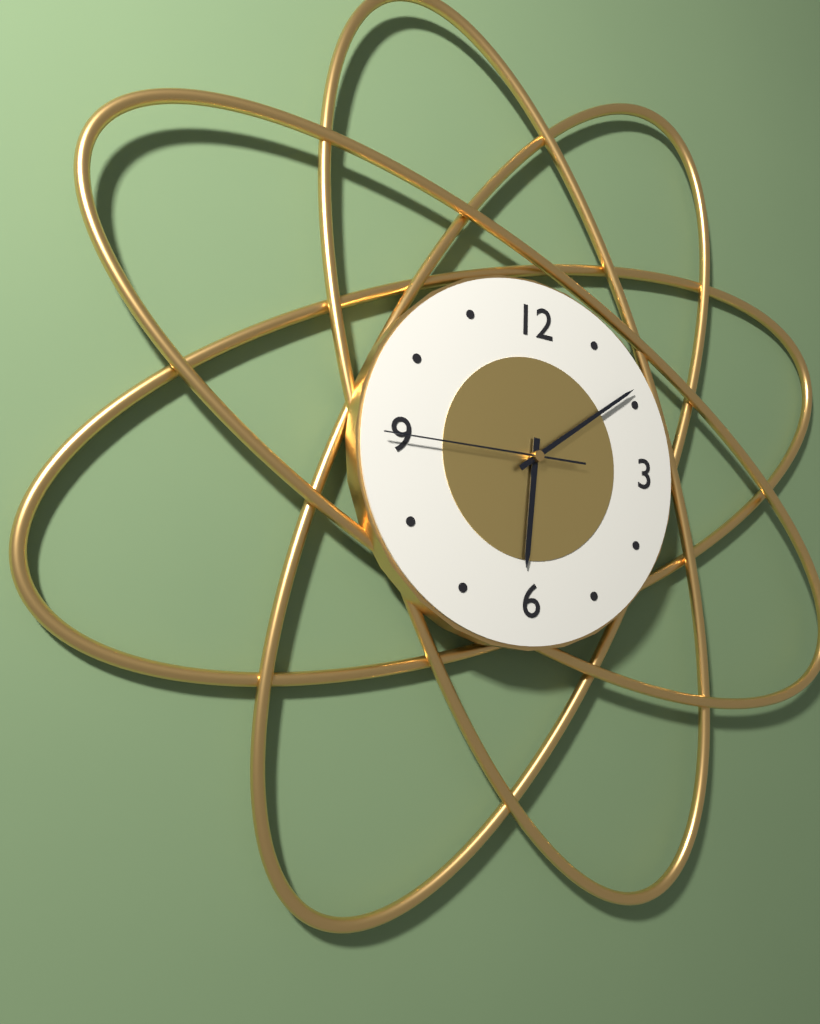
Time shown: h=6 m=9 s=45
